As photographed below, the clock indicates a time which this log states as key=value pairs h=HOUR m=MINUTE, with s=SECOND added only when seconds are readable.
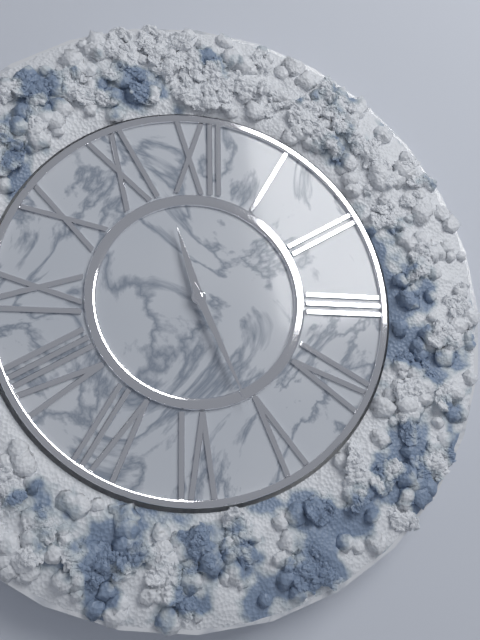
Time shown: h=11 m=26
